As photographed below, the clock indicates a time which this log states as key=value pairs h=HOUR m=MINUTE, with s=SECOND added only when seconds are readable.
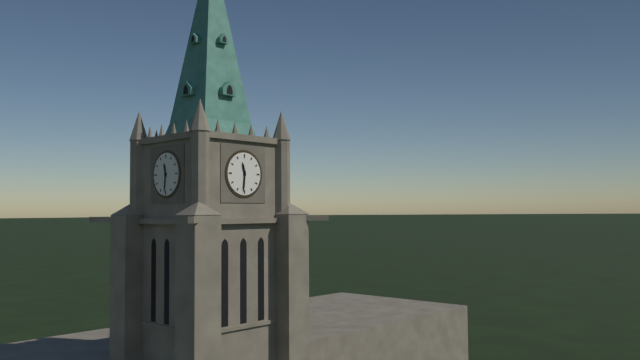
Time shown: h=11 m=31
